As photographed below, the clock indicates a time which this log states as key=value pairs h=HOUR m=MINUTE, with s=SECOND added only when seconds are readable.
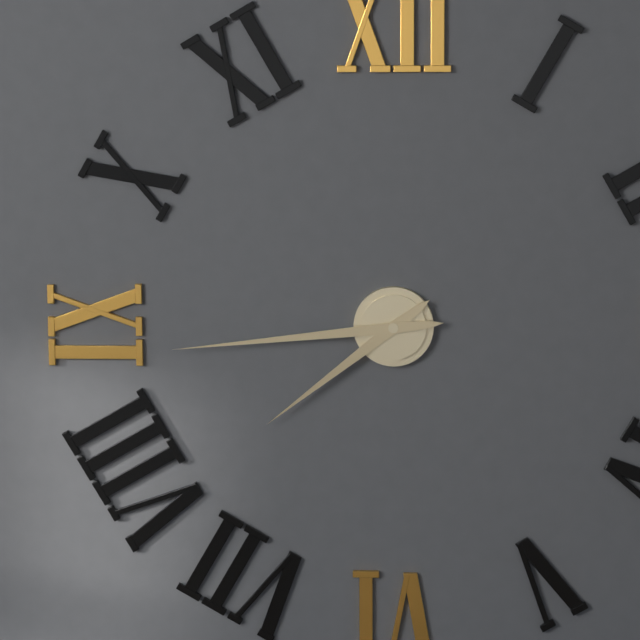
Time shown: h=7 m=44
